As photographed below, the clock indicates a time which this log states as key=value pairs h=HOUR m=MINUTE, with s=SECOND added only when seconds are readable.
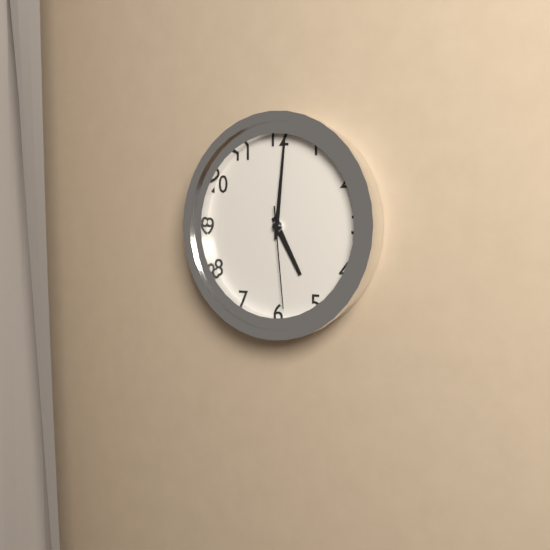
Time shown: h=5 m=1 s=29
